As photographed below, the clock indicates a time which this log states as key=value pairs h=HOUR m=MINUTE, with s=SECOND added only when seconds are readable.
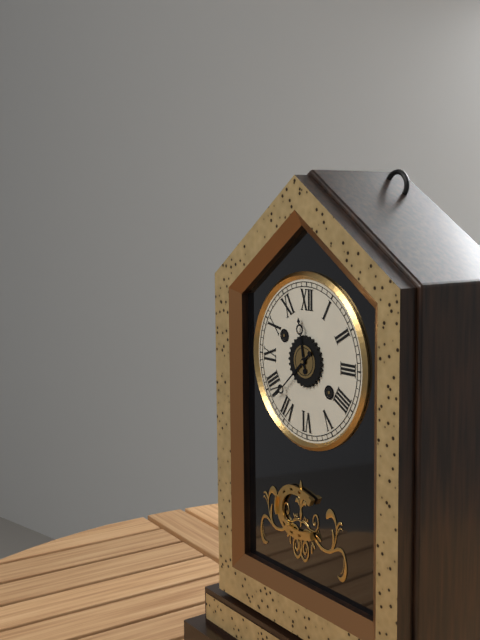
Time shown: h=11 m=38
